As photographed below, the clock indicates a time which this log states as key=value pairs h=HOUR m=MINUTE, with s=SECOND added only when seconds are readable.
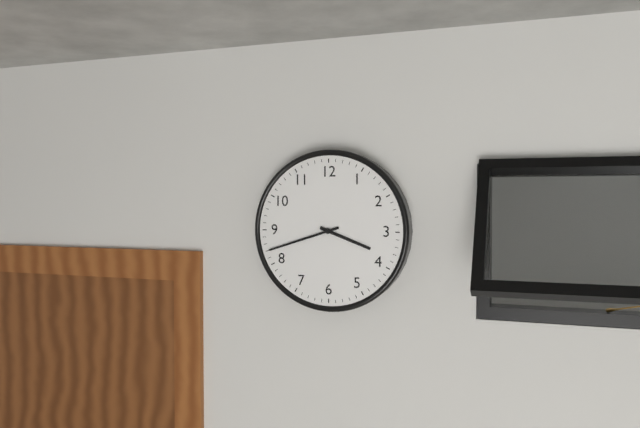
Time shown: h=3 m=42
